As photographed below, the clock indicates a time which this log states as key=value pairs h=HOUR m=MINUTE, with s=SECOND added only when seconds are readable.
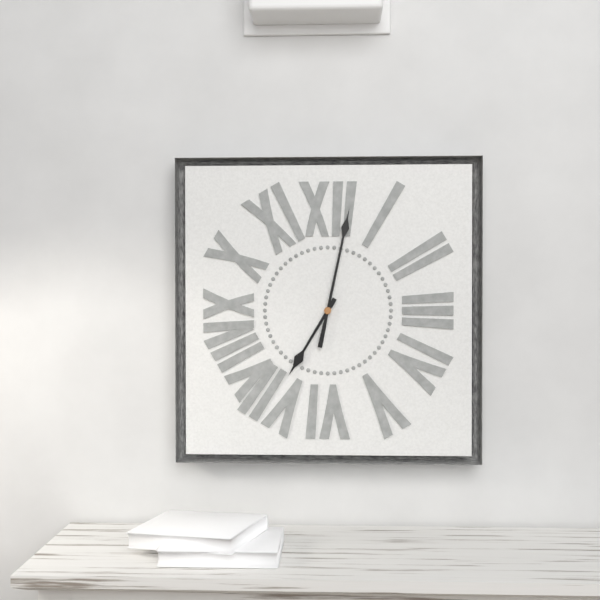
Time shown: h=7 m=2
